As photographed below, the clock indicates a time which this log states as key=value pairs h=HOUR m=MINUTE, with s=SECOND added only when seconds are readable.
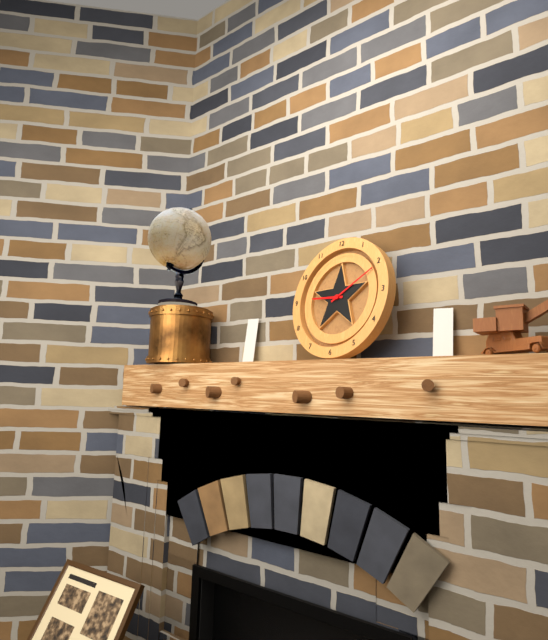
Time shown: h=9 m=10
